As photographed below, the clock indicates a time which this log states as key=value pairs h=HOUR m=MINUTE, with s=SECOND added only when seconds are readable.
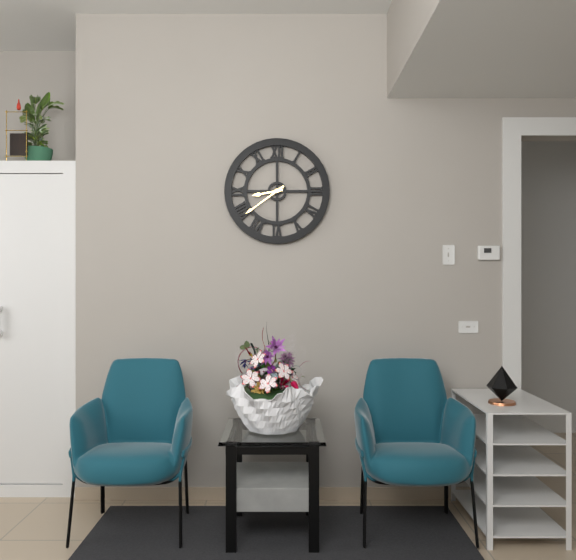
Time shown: h=8 m=39
